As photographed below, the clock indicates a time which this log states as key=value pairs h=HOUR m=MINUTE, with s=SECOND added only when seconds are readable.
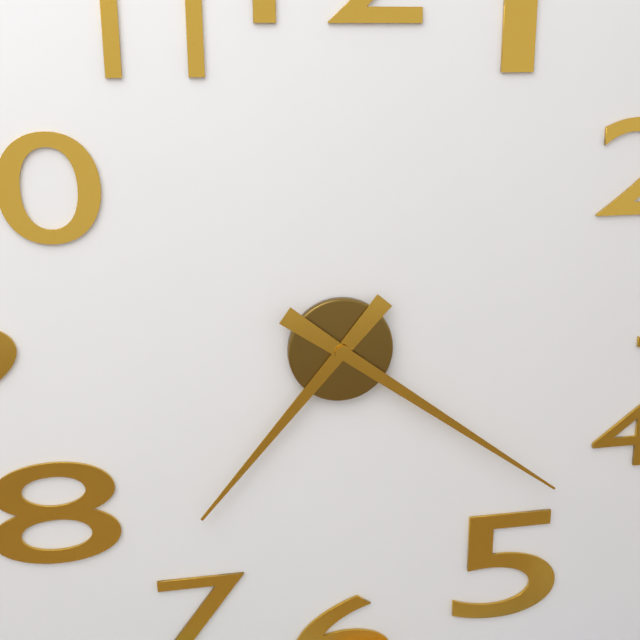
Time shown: h=7 m=21
